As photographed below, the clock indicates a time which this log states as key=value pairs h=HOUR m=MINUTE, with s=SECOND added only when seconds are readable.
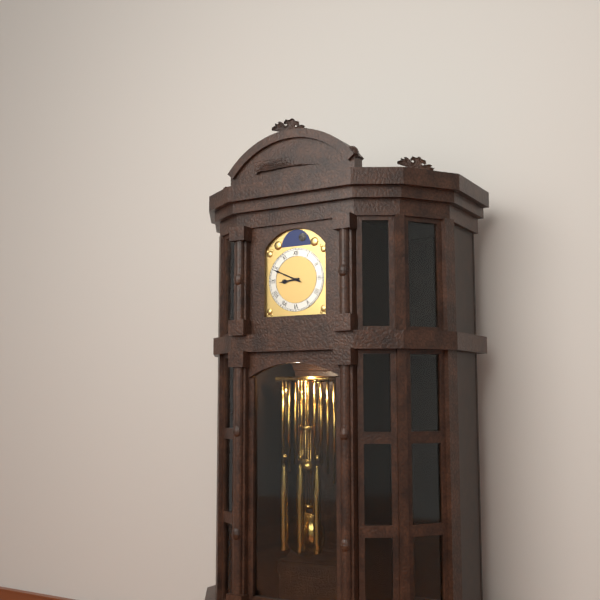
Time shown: h=8 m=49
